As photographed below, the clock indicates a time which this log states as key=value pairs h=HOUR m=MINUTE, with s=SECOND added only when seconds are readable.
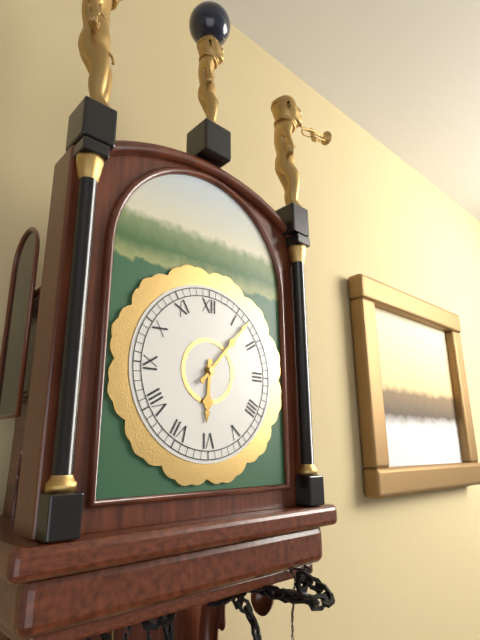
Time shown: h=6 m=7
